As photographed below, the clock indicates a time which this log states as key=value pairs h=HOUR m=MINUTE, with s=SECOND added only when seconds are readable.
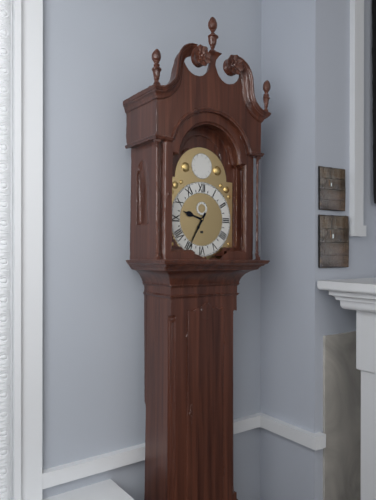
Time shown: h=9 m=35
